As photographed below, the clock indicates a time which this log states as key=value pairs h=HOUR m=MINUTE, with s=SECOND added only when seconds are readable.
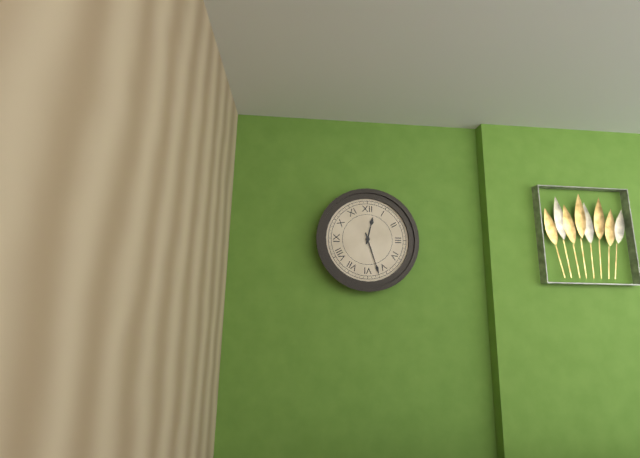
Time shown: h=12 m=27
